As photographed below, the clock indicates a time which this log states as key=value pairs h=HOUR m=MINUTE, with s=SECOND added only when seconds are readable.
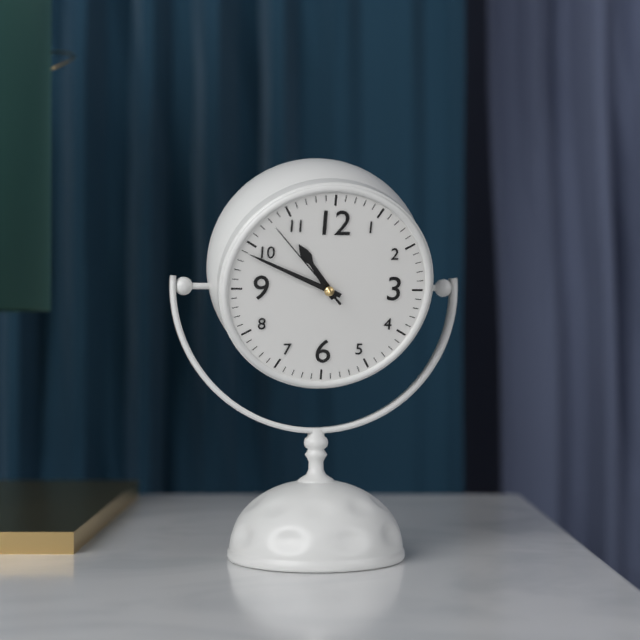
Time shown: h=10 m=49 s=53
